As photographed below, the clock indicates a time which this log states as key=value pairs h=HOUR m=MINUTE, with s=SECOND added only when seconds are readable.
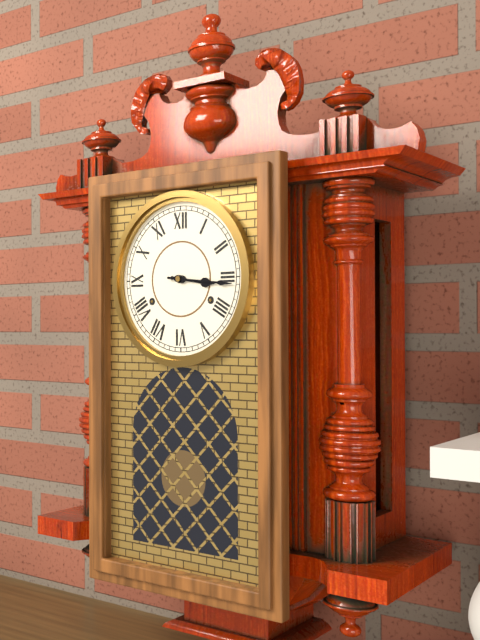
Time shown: h=3 m=16
